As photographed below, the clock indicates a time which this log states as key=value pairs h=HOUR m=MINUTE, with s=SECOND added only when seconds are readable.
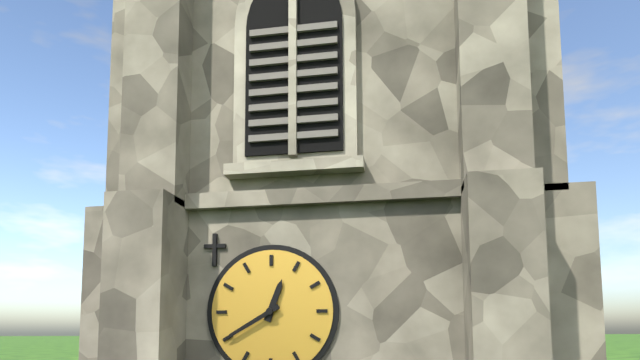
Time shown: h=12 m=40
